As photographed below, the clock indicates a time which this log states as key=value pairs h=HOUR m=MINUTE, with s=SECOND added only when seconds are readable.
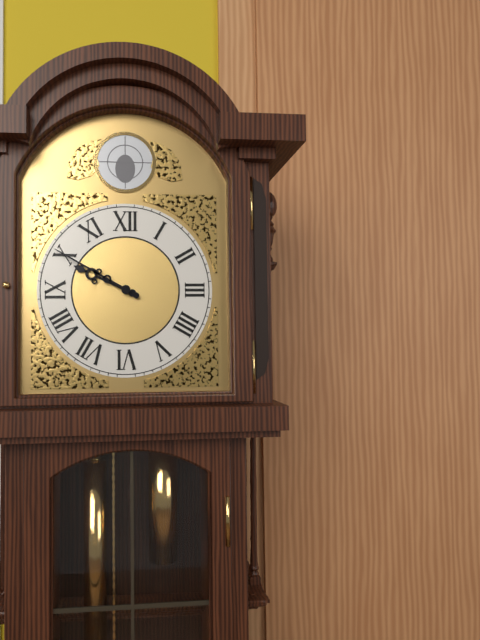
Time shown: h=9 m=50
